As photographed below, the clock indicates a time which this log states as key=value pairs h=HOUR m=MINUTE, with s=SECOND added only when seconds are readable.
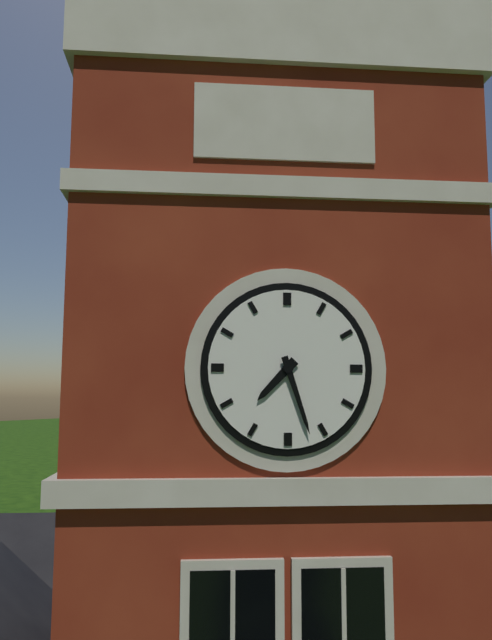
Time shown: h=7 m=27
